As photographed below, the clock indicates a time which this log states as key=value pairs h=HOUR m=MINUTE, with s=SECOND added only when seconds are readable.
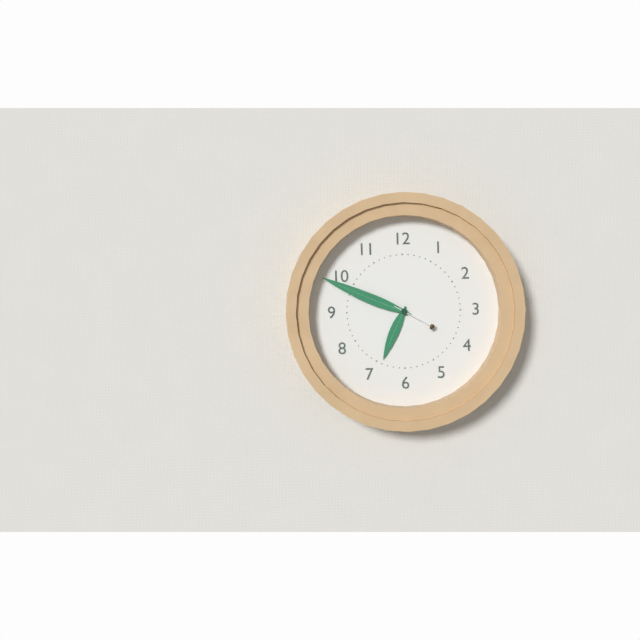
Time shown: h=6 m=49
